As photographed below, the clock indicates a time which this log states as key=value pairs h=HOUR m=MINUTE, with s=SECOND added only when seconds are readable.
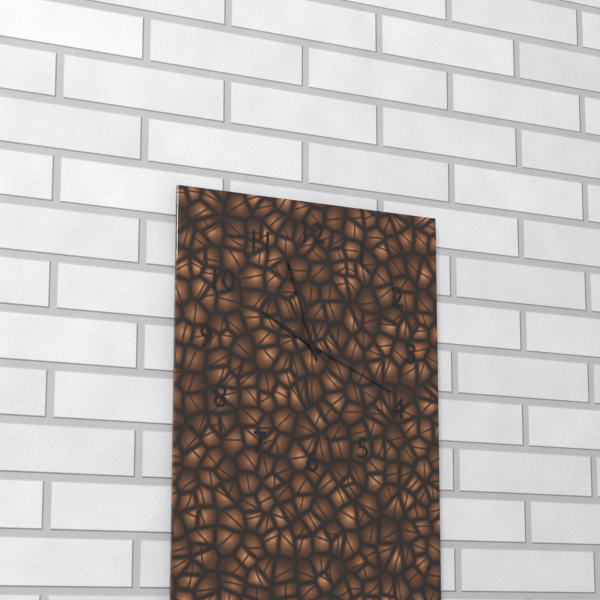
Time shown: h=9 m=57 s=19
